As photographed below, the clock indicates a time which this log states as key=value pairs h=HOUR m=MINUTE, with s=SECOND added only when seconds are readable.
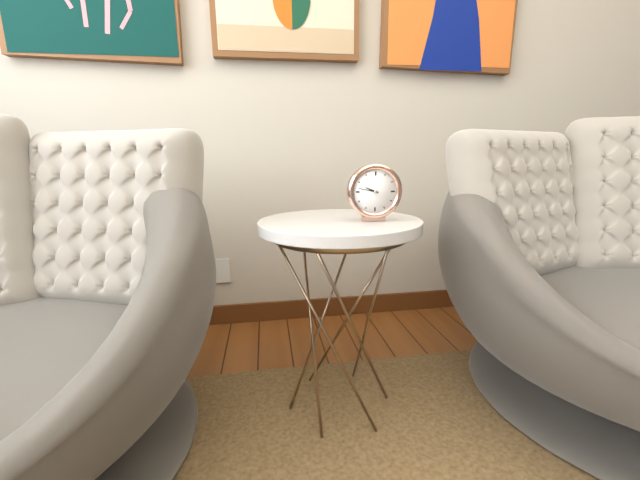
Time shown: h=9 m=47
